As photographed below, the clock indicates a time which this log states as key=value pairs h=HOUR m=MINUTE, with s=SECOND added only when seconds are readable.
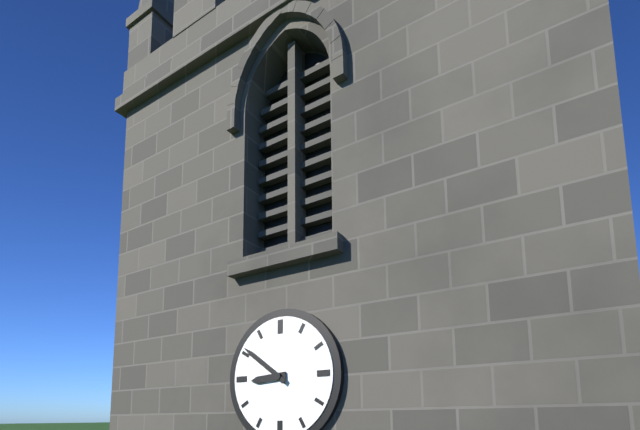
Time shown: h=8 m=51
